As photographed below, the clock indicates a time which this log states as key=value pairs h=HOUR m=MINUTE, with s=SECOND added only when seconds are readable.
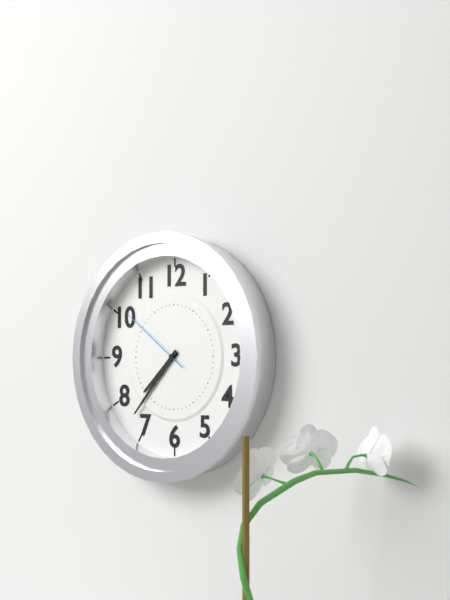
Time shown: h=7 m=37 s=51
